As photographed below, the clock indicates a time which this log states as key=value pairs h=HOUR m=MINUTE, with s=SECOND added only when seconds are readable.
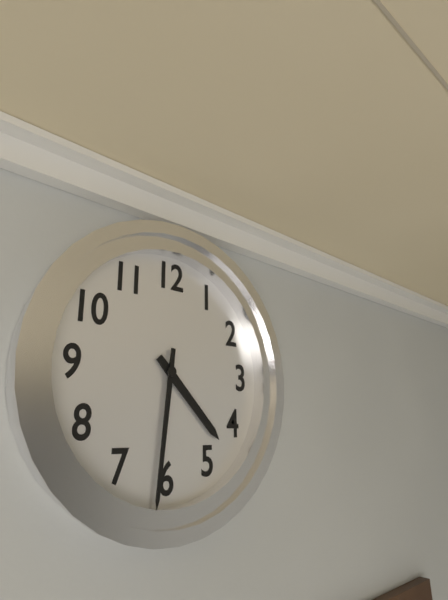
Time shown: h=4 m=31
